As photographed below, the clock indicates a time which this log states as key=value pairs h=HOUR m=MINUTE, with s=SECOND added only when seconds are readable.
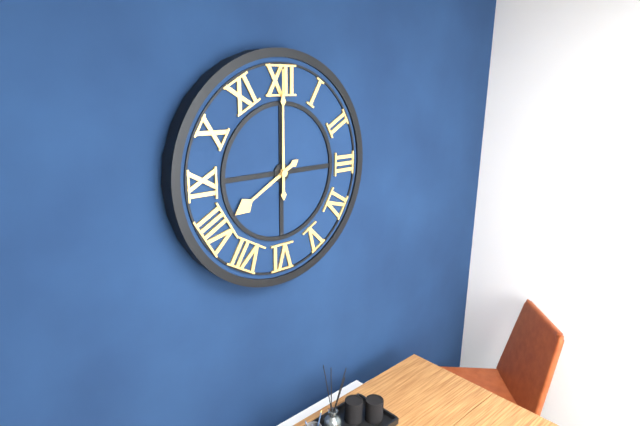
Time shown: h=8 m=0
